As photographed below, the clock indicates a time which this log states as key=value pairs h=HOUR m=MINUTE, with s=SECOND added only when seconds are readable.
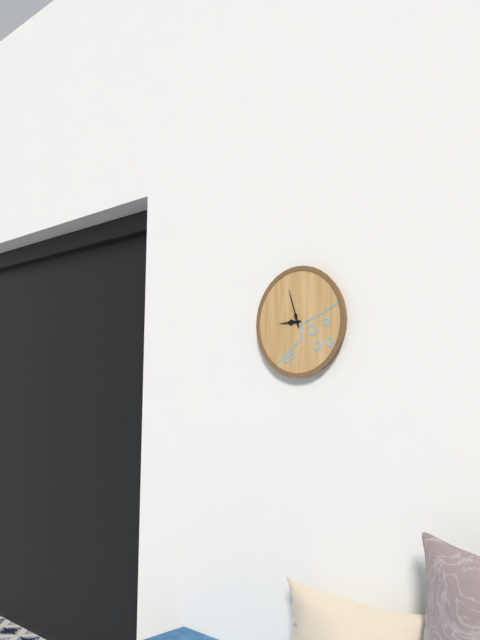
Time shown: h=8 m=57
